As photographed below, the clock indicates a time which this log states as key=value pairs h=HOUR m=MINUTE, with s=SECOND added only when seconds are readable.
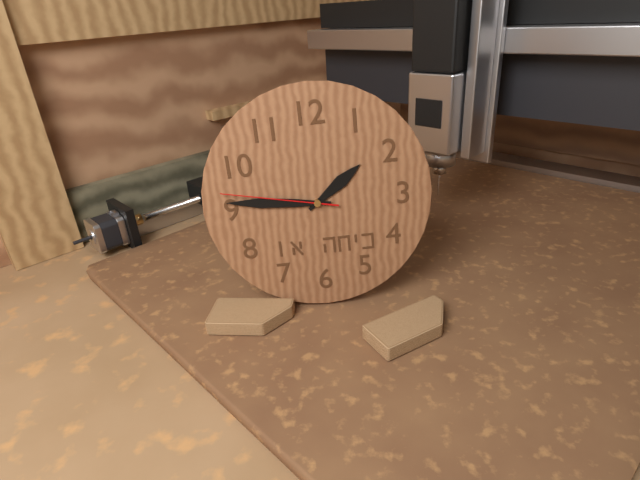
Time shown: h=1 m=46 s=47
